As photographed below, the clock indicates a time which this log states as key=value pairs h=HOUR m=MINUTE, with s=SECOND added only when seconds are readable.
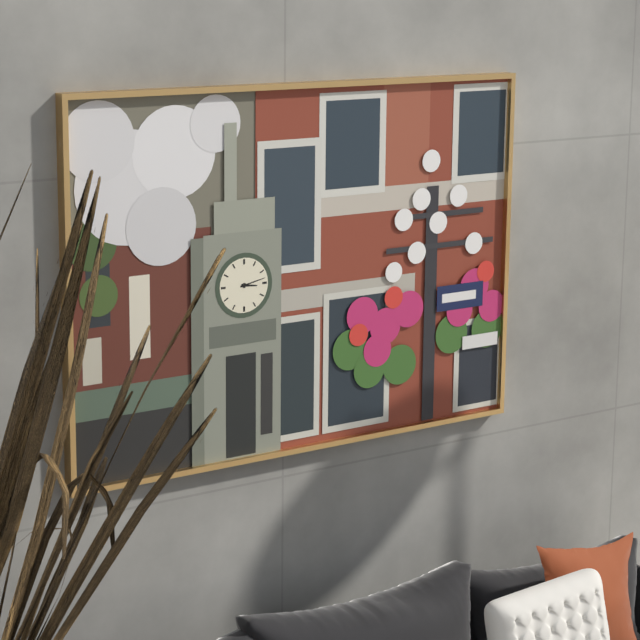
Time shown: h=3 m=13
